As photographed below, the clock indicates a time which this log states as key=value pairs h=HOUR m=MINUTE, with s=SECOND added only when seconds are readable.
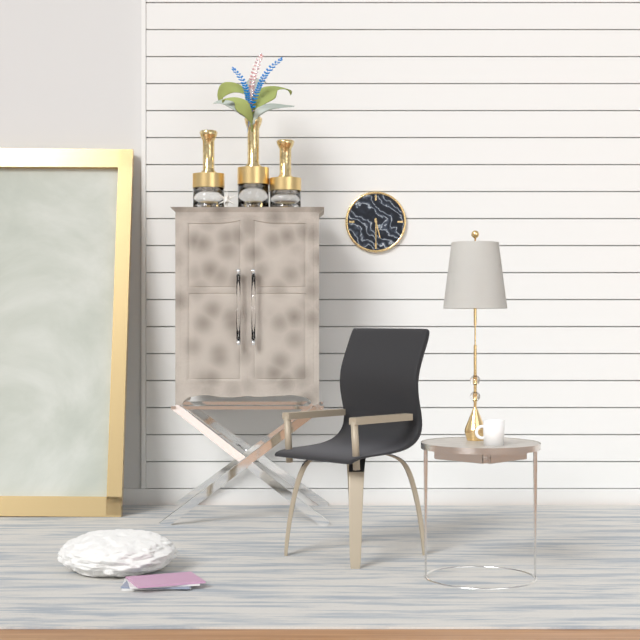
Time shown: h=5 m=30
